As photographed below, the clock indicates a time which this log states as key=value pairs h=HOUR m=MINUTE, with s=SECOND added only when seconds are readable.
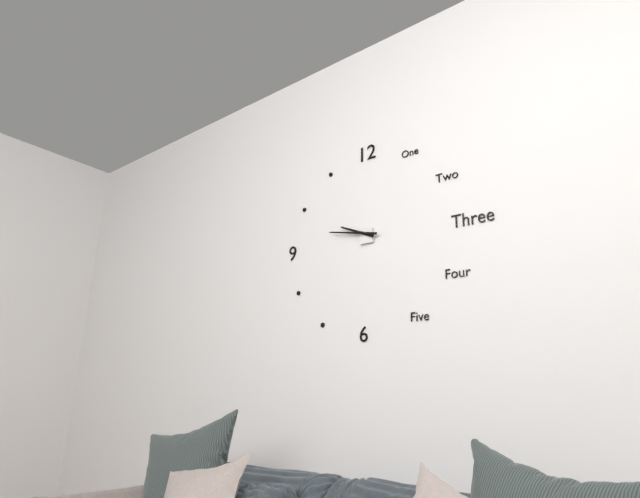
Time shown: h=9 m=47
